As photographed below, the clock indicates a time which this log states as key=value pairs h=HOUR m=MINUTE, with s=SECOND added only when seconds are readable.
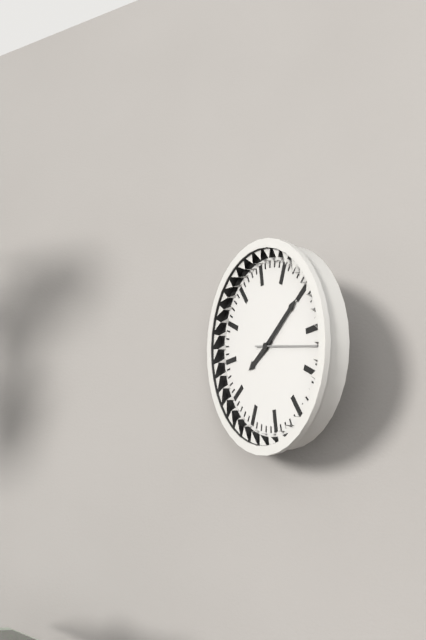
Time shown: h=8 m=10 s=17
